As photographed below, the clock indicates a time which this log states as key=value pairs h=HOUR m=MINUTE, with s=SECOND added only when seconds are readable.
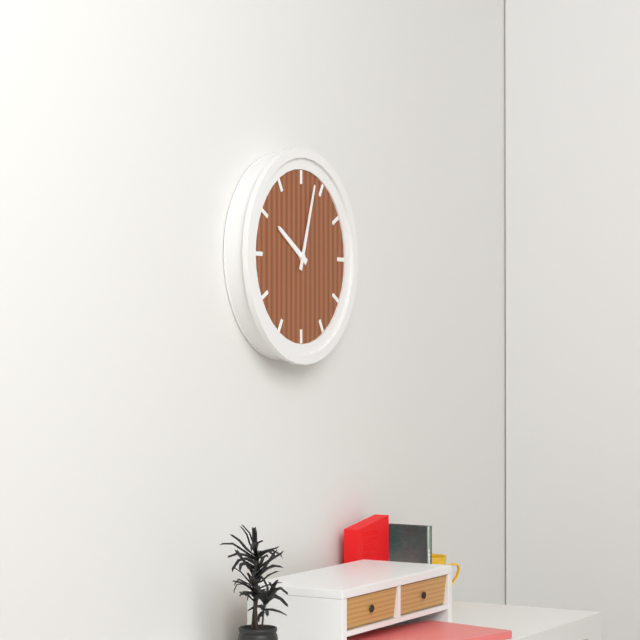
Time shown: h=10 m=3
